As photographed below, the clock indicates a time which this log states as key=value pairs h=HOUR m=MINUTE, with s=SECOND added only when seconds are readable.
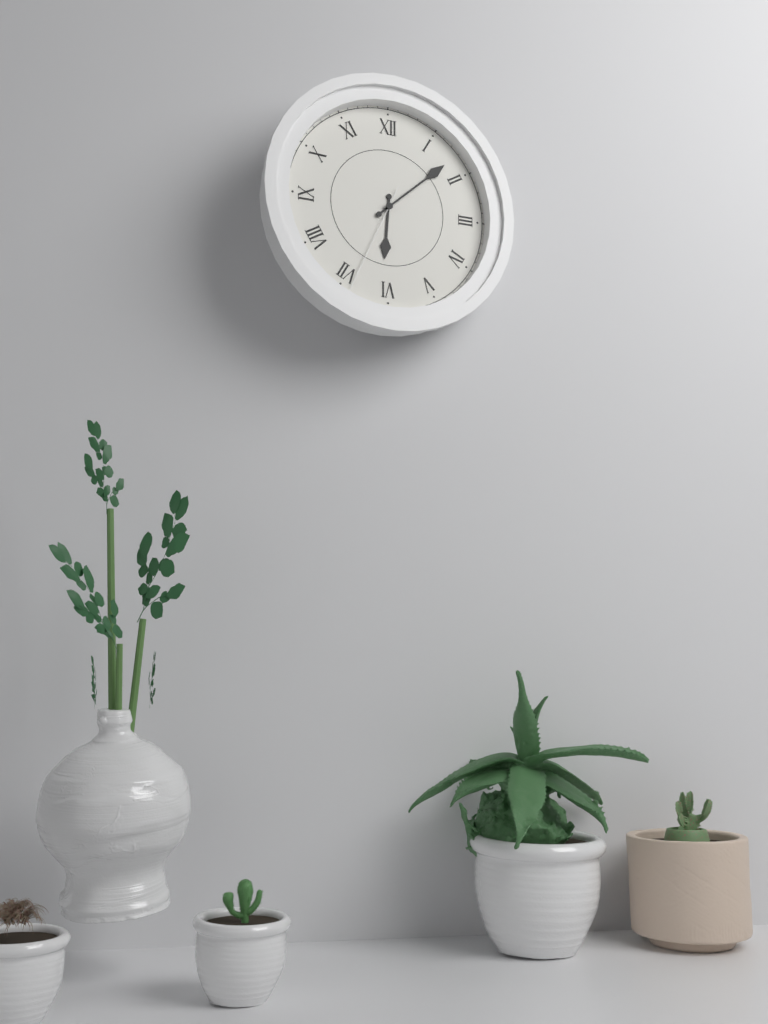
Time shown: h=6 m=8 s=34
